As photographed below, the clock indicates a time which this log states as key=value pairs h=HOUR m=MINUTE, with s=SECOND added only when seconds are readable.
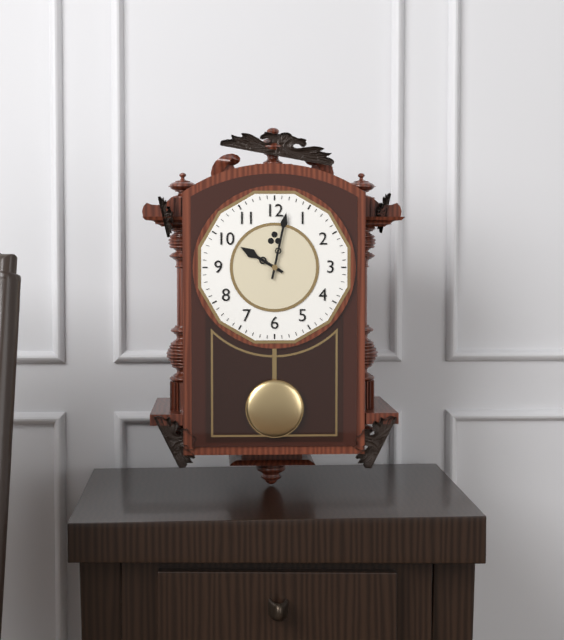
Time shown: h=10 m=2
